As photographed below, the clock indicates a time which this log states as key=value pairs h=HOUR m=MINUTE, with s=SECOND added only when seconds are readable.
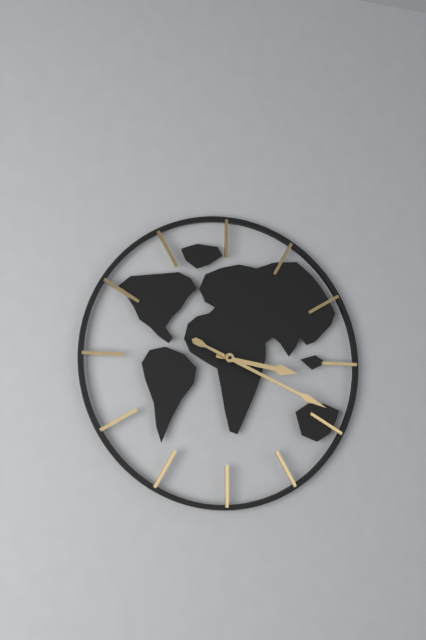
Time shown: h=3 m=19
